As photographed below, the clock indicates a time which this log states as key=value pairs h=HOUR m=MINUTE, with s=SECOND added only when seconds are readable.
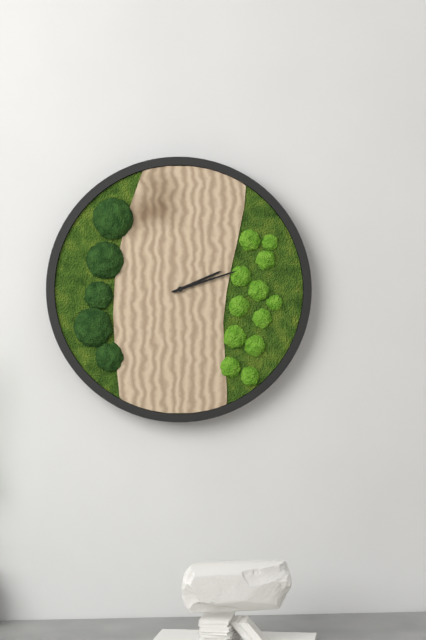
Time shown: h=2 m=12
